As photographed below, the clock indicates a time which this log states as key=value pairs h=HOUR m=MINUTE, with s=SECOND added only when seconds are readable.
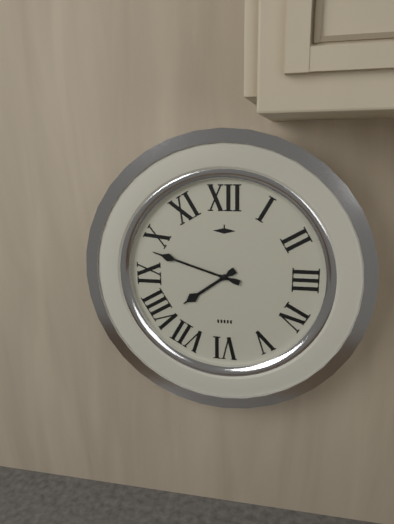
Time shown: h=7 m=48
